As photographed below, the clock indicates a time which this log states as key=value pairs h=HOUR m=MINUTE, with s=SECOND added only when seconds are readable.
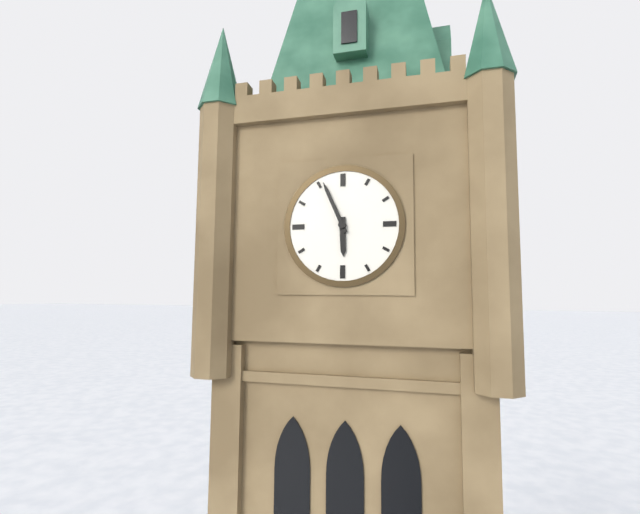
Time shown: h=5 m=56
